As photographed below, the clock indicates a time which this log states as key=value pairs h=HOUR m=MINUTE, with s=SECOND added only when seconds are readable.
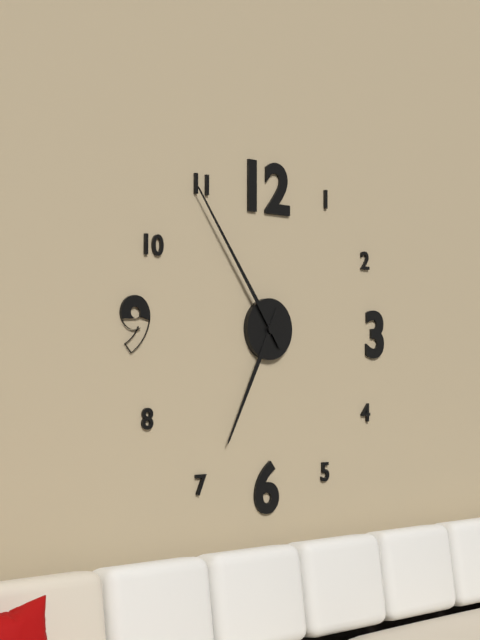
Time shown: h=6 m=54
